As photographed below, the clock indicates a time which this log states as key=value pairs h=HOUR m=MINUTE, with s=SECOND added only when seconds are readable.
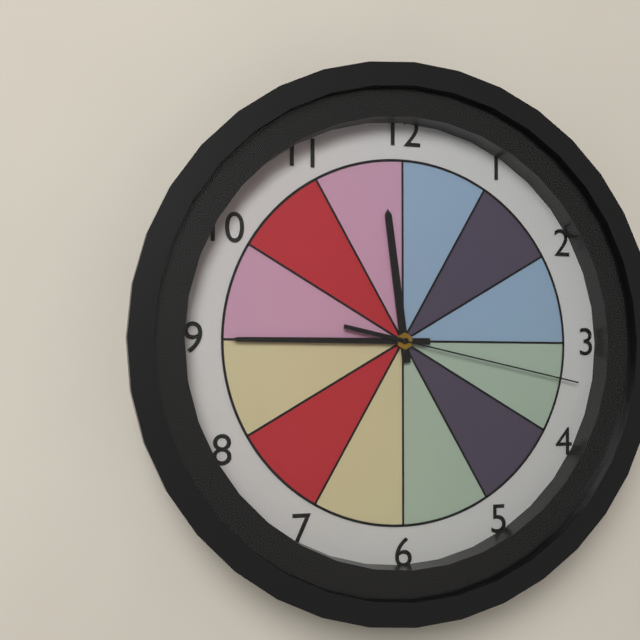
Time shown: h=11 m=45 s=17
